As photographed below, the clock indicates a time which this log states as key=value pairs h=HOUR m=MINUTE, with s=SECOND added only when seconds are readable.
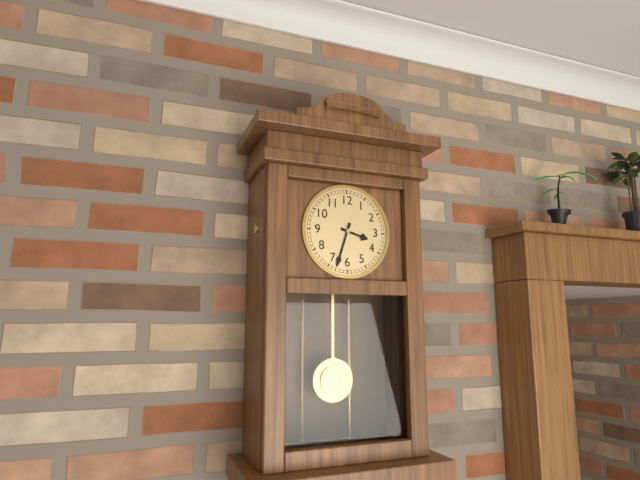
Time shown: h=3 m=33
